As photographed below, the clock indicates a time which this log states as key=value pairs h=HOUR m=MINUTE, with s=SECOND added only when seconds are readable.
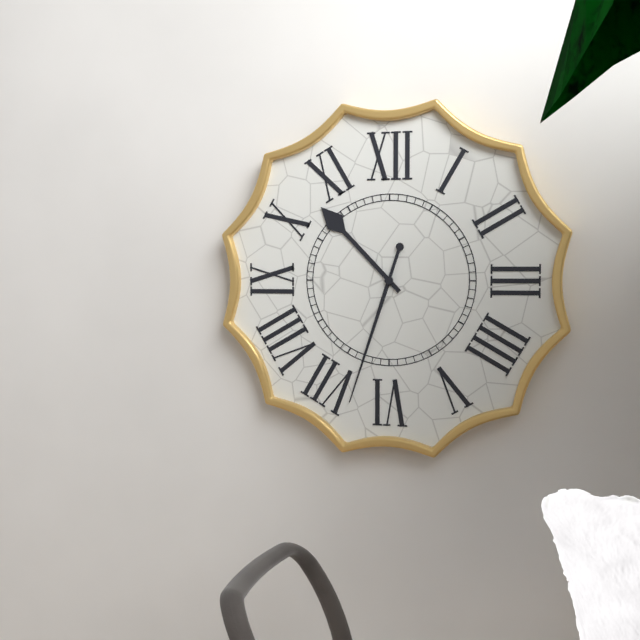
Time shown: h=10 m=33
